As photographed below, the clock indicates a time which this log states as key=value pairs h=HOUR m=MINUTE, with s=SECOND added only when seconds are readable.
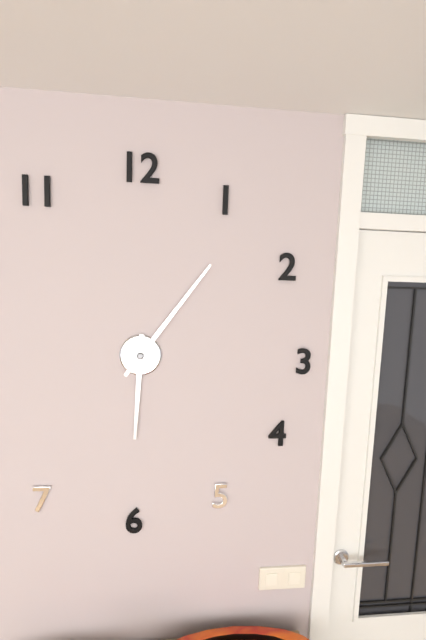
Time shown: h=6 m=6
